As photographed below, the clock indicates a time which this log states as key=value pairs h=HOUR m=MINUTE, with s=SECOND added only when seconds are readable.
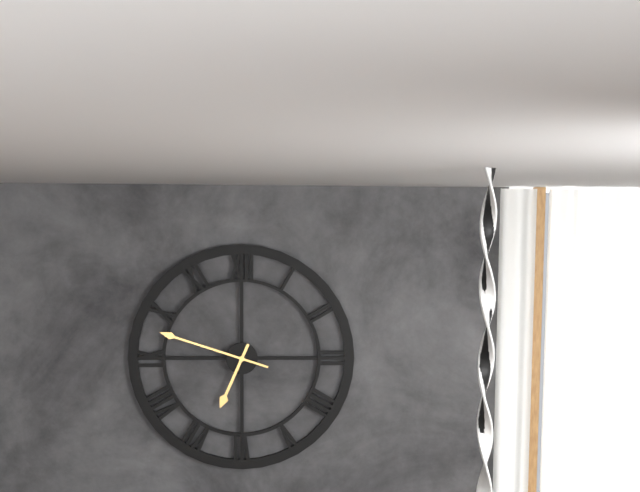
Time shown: h=6 m=48
